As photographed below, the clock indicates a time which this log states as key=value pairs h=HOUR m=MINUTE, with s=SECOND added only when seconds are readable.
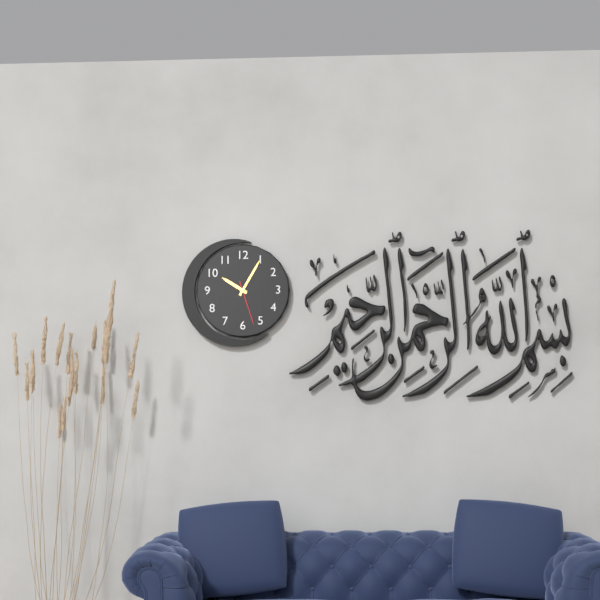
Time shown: h=10 m=5
